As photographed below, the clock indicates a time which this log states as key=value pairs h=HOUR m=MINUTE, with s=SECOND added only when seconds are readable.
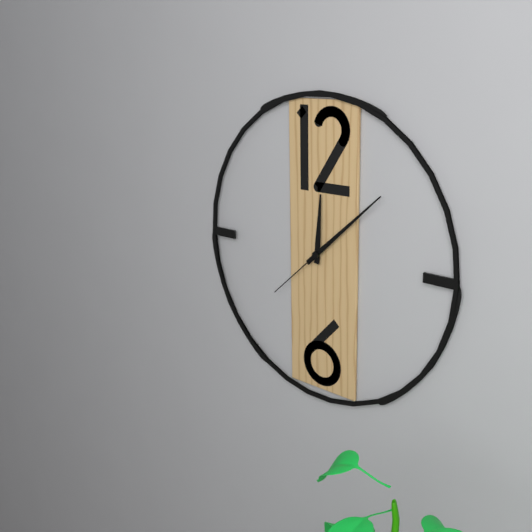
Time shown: h=12 m=8 s=38
